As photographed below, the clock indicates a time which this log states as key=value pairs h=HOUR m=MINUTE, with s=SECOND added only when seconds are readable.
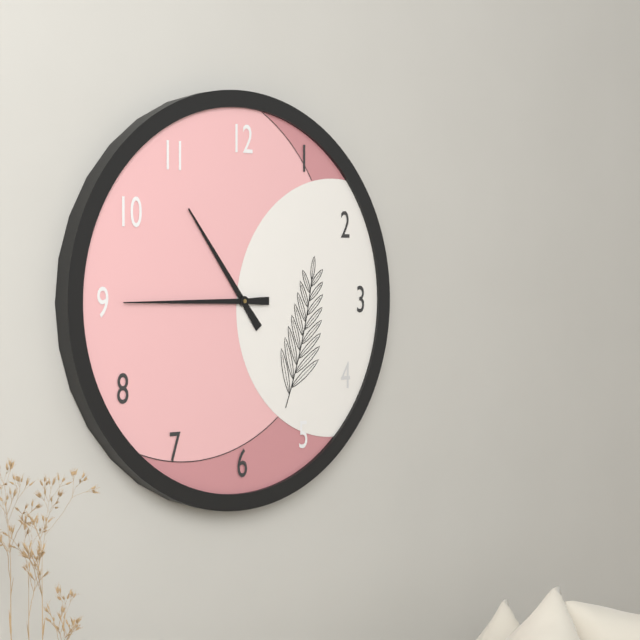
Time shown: h=10 m=45
